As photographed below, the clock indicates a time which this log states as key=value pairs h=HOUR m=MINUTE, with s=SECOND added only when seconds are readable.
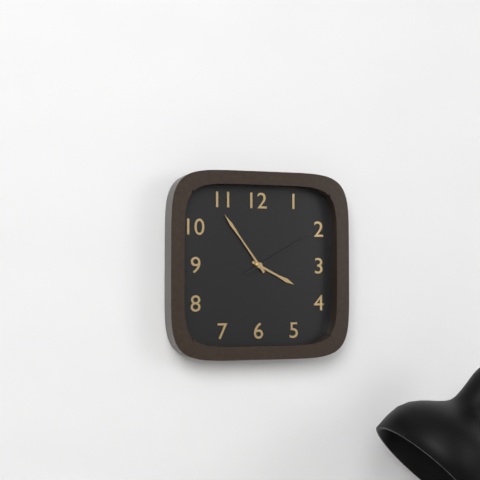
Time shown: h=3 m=54 s=10
